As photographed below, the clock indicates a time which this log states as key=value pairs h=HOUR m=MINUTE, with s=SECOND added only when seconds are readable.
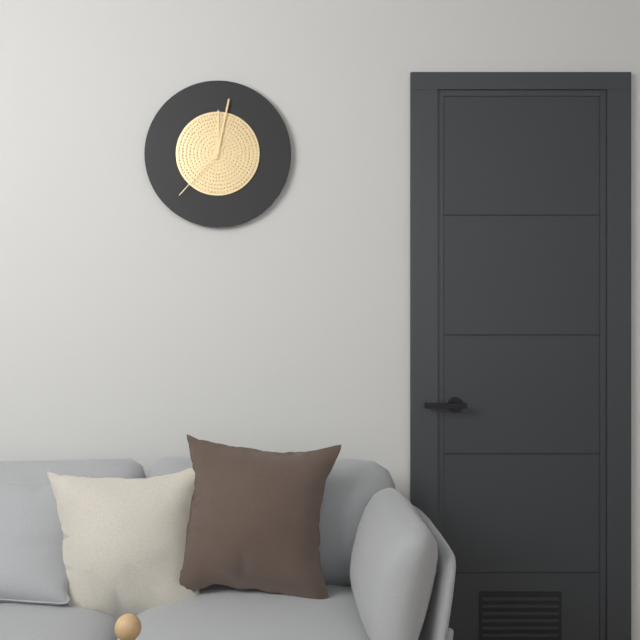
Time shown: h=12 m=2 s=37
